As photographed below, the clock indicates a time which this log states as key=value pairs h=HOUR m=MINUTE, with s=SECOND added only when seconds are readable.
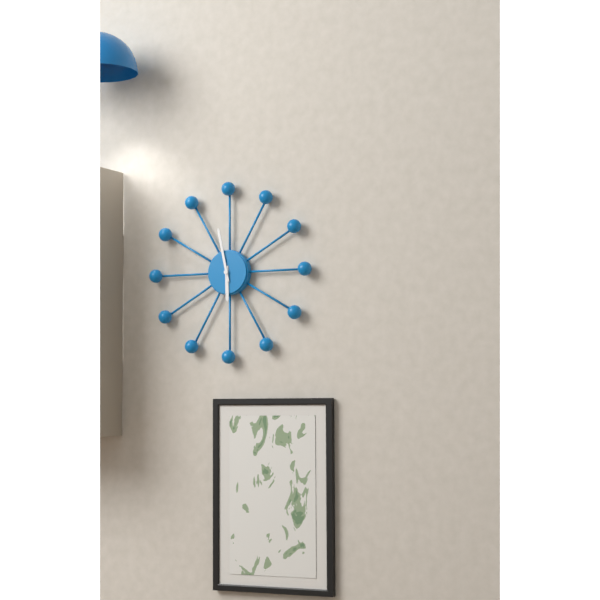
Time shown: h=5 m=58
